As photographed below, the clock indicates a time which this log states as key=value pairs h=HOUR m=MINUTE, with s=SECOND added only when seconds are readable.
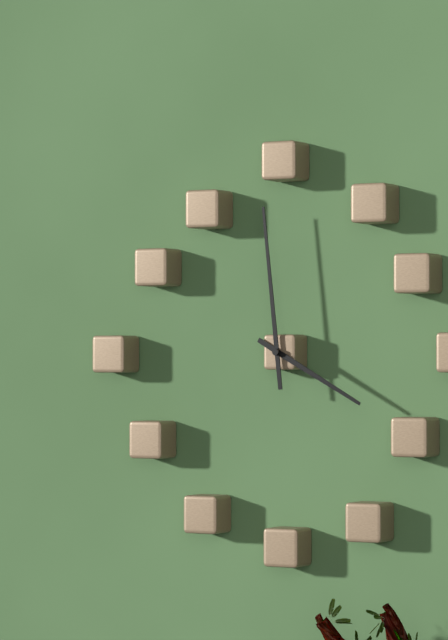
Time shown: h=3 m=59
